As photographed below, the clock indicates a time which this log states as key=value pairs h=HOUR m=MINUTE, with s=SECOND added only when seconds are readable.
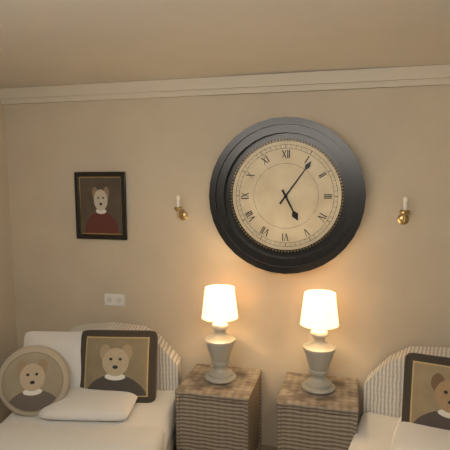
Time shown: h=5 m=6
